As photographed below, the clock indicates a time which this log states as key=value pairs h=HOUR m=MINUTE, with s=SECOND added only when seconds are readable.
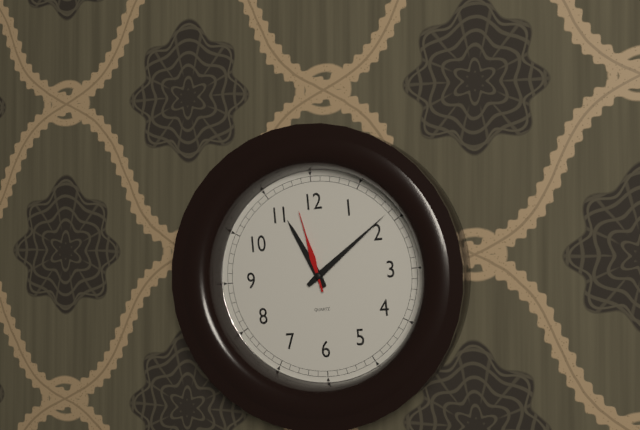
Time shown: h=11 m=9 s=58
